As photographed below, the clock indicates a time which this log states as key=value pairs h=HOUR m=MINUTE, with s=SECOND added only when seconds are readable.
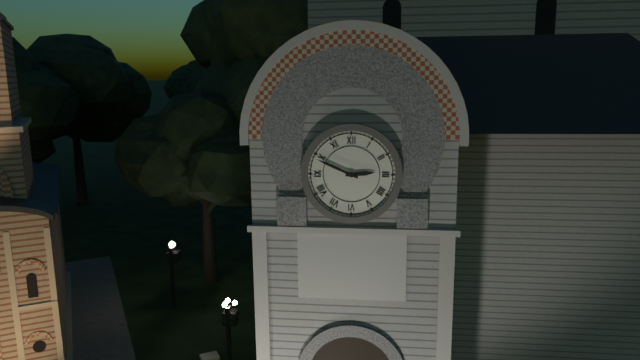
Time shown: h=2 m=49
